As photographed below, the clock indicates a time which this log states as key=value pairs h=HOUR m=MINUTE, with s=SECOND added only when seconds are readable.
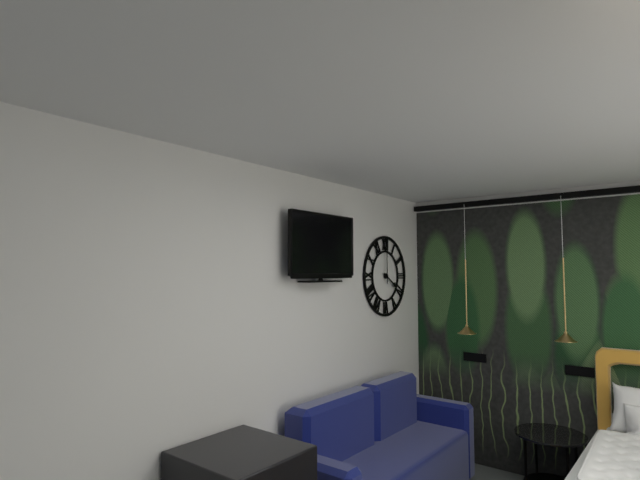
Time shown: h=4 m=0
